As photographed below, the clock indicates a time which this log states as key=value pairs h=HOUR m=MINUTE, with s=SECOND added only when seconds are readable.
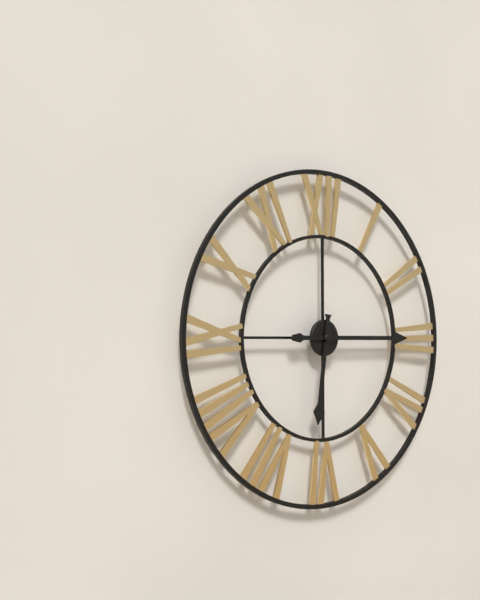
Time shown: h=6 m=15
